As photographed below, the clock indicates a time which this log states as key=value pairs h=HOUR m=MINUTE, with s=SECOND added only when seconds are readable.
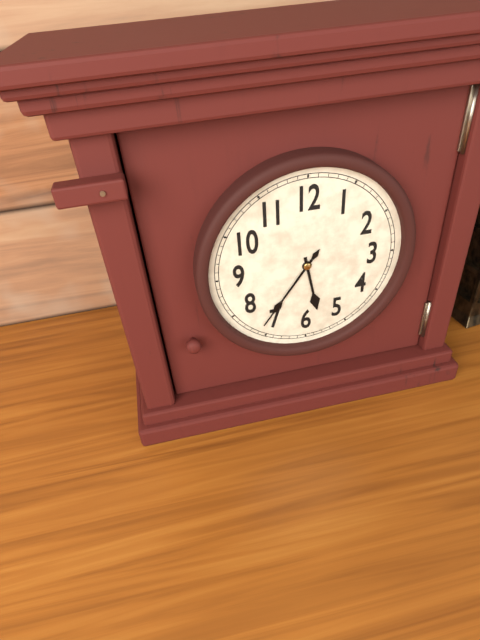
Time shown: h=5 m=36
